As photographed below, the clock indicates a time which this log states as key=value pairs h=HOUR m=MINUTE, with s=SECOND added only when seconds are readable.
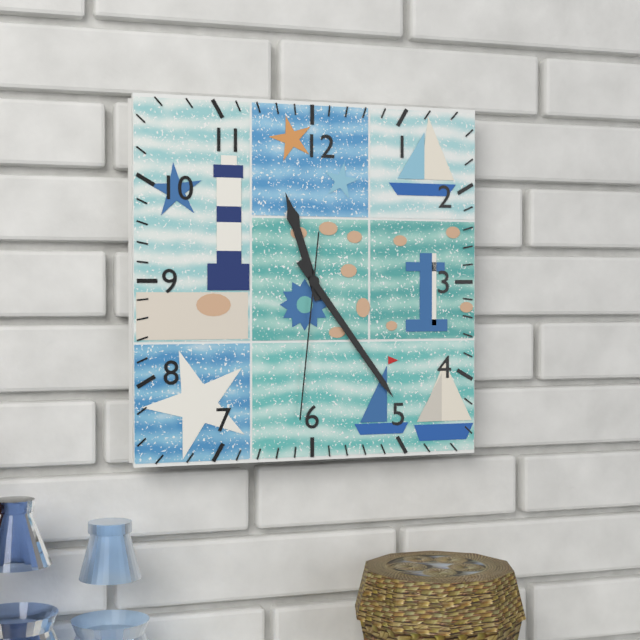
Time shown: h=11 m=24 s=31
